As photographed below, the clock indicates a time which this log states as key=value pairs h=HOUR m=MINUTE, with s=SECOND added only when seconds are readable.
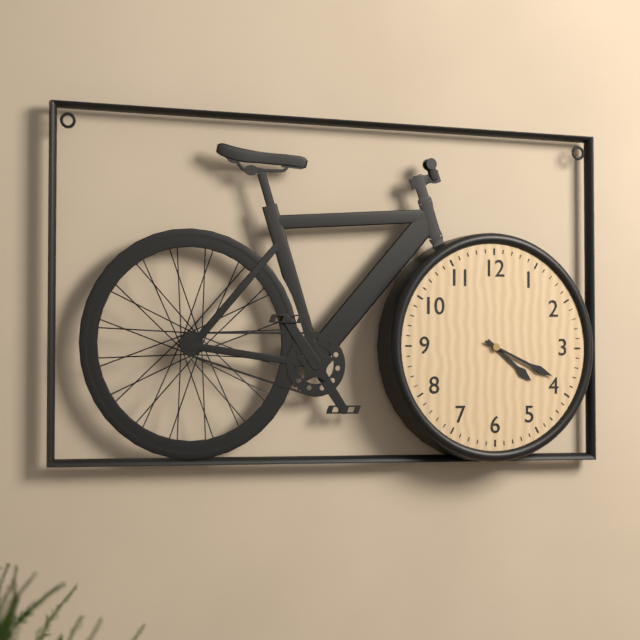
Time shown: h=4 m=19
